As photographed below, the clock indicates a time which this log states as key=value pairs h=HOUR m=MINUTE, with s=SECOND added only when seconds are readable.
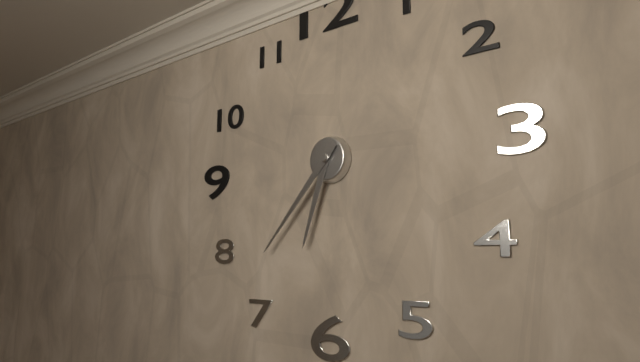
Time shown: h=6 m=37
